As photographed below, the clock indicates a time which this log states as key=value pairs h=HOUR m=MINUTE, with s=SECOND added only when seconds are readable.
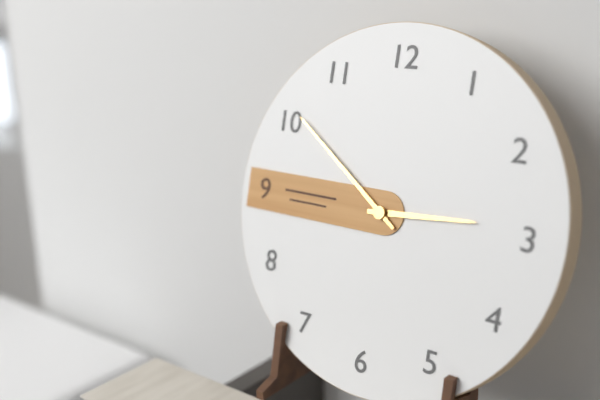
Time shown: h=2 m=51
